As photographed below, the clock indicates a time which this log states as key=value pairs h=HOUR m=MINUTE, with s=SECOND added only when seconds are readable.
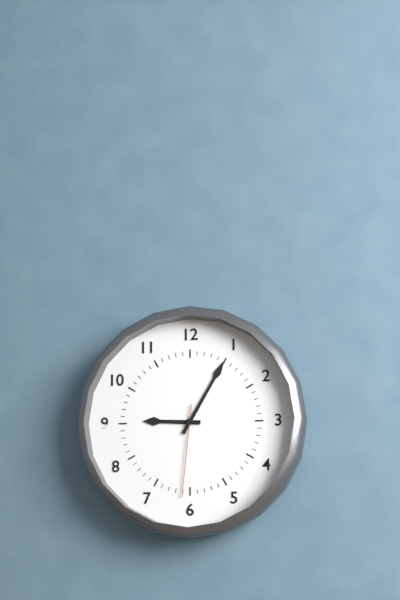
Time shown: h=9 m=5 s=31
